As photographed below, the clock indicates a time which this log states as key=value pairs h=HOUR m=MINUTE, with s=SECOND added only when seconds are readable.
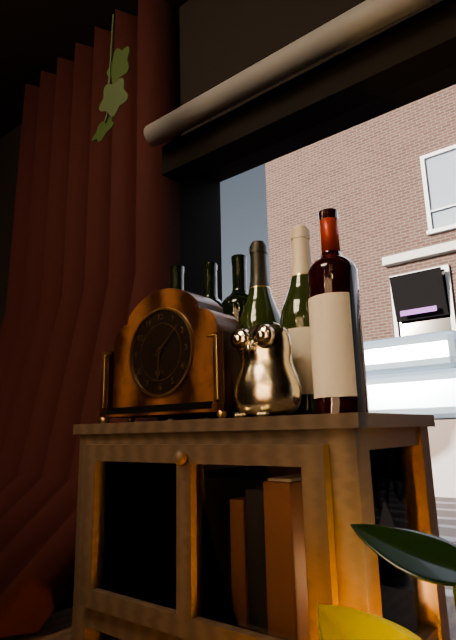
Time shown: h=6 m=8
